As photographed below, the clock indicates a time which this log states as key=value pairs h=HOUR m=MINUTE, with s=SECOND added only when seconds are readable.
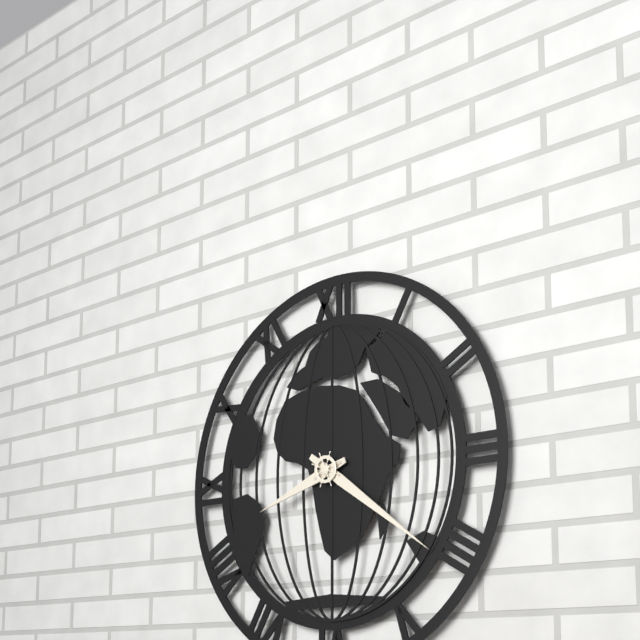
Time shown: h=8 m=21
